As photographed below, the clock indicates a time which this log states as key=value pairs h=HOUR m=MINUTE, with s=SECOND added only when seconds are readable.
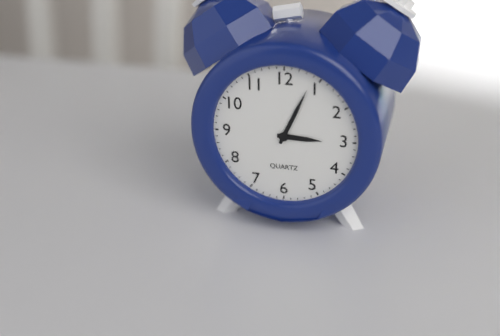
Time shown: h=3 m=4
